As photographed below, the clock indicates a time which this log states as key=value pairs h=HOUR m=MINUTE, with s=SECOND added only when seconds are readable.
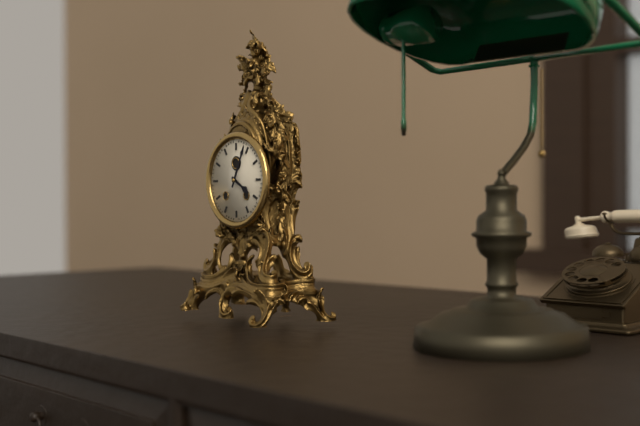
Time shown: h=4 m=4
